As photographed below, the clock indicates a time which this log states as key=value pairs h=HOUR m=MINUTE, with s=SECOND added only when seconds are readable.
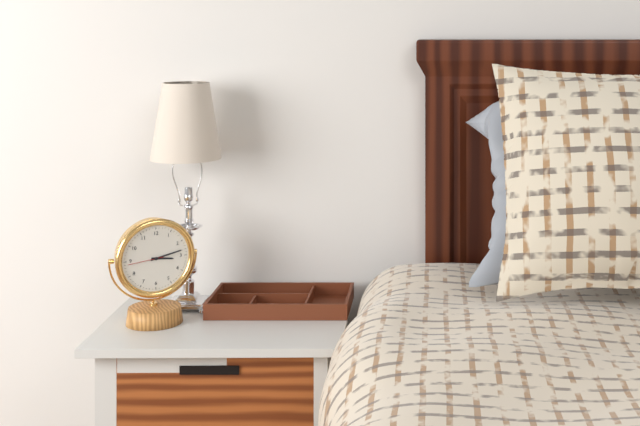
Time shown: h=3 m=13
